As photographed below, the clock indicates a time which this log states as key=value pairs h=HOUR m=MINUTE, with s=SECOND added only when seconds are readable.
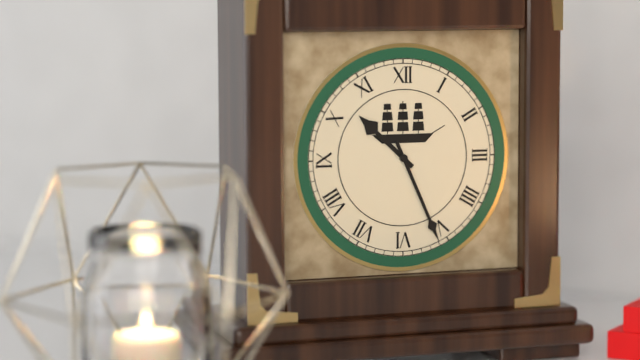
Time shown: h=10 m=26
